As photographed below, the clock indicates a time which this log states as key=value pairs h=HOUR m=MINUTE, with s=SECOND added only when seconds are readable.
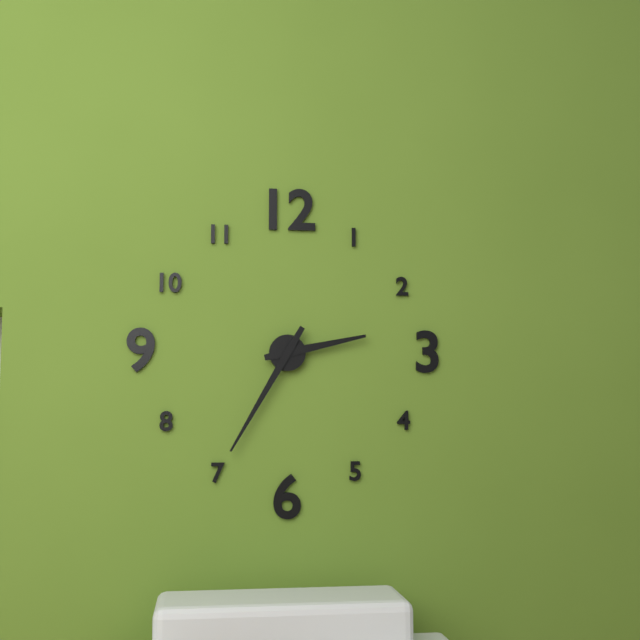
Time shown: h=2 m=35
